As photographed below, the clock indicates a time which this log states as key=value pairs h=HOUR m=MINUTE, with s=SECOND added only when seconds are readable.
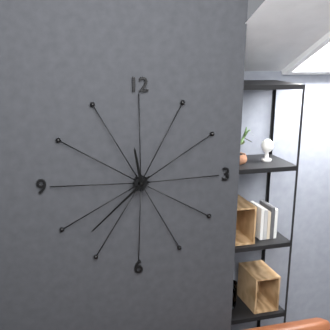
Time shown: h=11 m=38
